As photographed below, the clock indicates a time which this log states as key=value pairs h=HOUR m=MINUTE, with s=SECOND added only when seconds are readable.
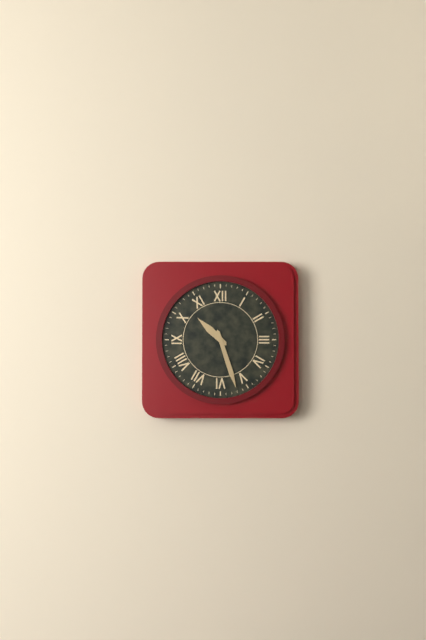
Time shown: h=10 m=27
